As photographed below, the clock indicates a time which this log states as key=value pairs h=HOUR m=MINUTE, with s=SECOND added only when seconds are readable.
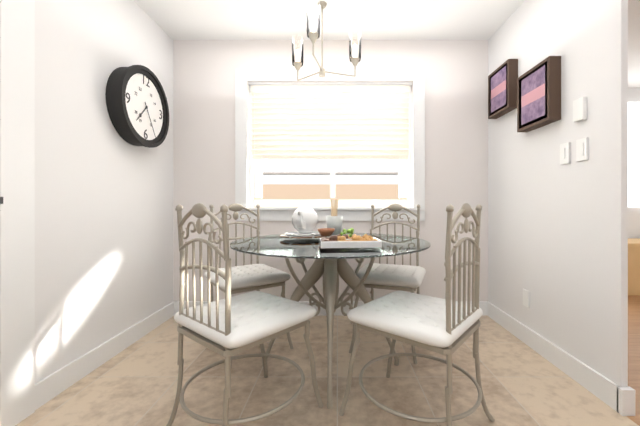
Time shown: h=7 m=25
